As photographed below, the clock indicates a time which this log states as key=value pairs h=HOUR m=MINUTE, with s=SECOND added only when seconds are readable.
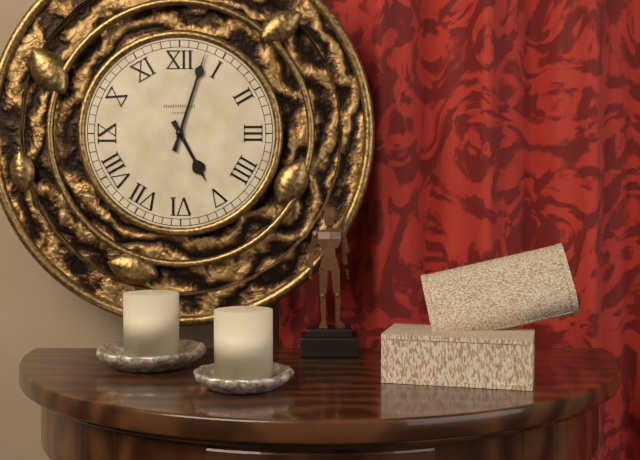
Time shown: h=5 m=3
